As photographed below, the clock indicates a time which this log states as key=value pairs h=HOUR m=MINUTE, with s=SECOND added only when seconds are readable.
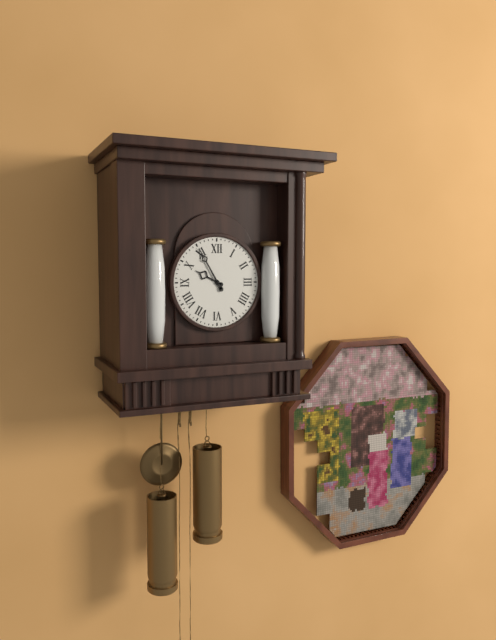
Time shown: h=9 m=55
